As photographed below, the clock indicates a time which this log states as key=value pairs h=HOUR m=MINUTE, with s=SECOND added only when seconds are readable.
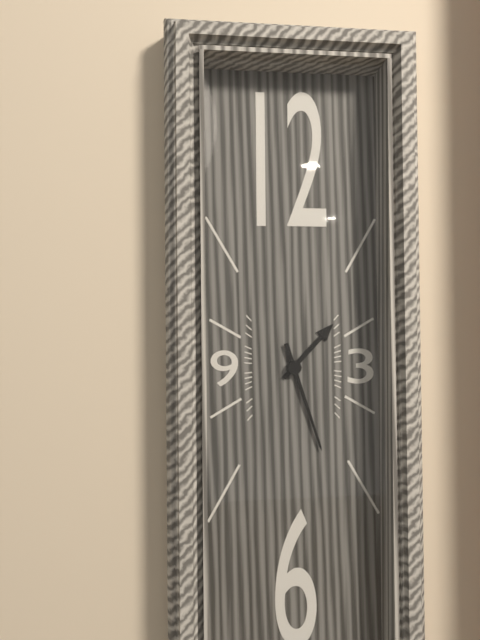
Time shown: h=1 m=27
